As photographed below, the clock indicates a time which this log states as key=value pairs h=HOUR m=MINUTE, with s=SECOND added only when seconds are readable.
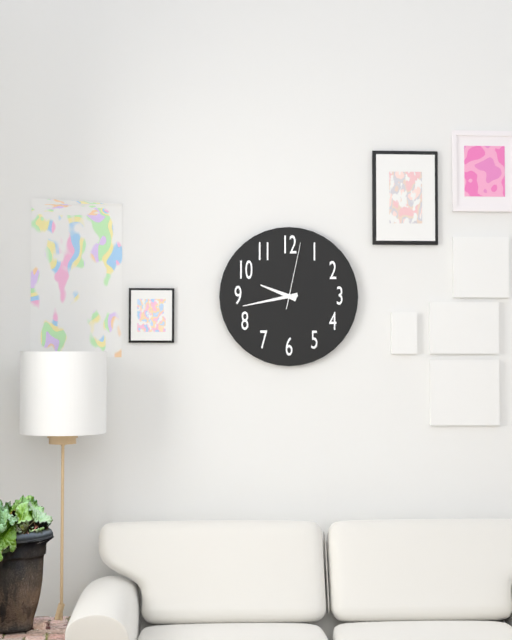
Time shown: h=9 m=43 s=2
